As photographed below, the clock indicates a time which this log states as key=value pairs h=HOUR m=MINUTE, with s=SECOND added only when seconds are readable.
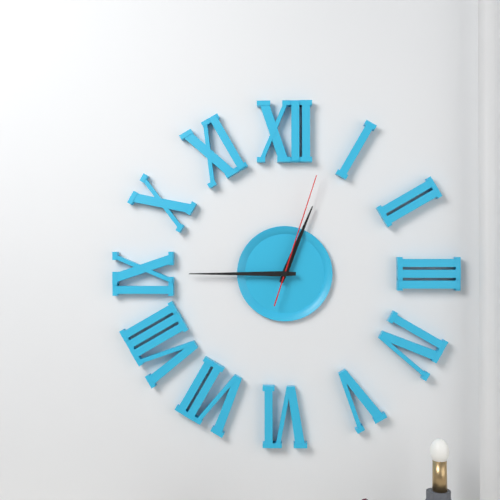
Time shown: h=12 m=45 s=3
